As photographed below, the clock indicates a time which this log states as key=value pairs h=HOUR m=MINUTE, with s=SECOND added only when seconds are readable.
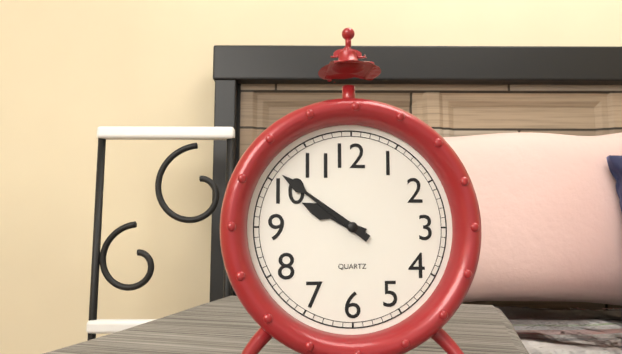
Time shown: h=9 m=51
